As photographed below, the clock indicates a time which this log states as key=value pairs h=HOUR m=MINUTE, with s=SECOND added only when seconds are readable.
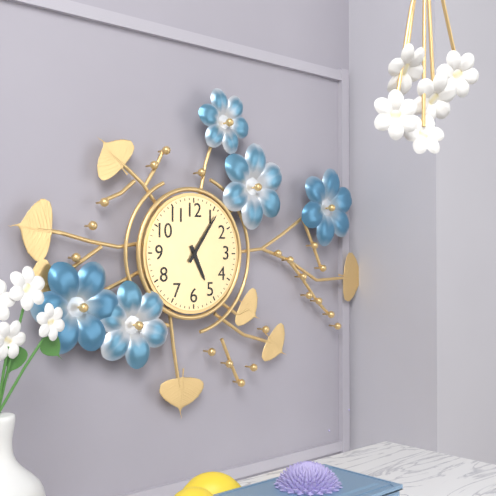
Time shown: h=5 m=6
